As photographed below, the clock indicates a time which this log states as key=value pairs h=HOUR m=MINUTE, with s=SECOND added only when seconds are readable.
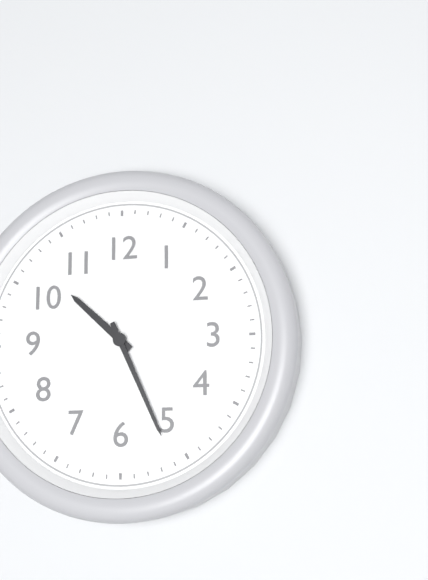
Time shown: h=10 m=26
